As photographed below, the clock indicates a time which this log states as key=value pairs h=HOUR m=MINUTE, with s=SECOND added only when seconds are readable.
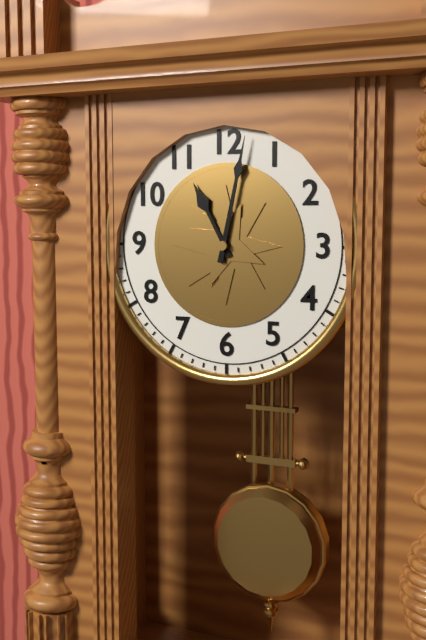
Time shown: h=11 m=2
